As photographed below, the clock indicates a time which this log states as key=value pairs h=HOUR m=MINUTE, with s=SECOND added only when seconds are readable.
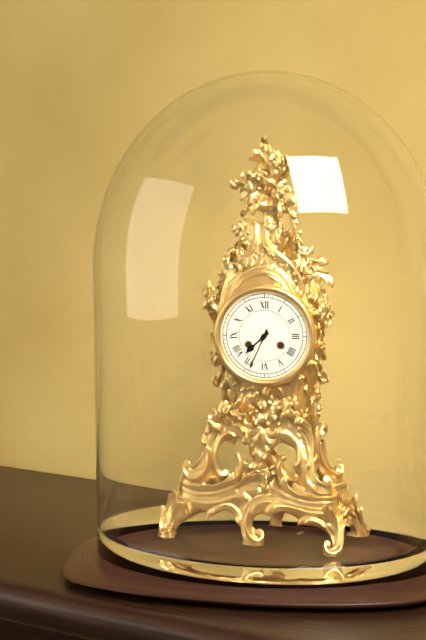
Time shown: h=7 m=34
